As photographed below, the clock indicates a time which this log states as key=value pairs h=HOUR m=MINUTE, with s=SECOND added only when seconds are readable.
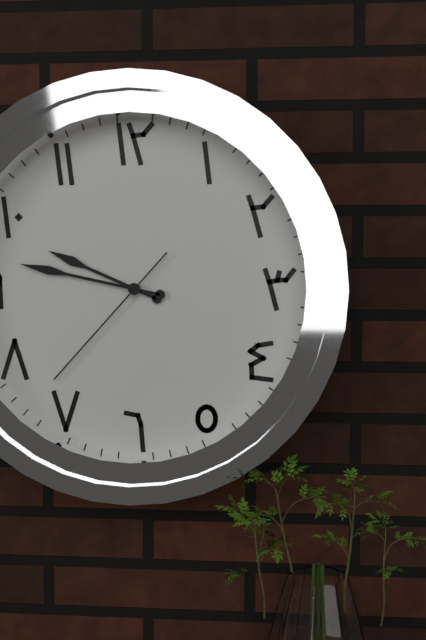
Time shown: h=9 m=47 s=37
